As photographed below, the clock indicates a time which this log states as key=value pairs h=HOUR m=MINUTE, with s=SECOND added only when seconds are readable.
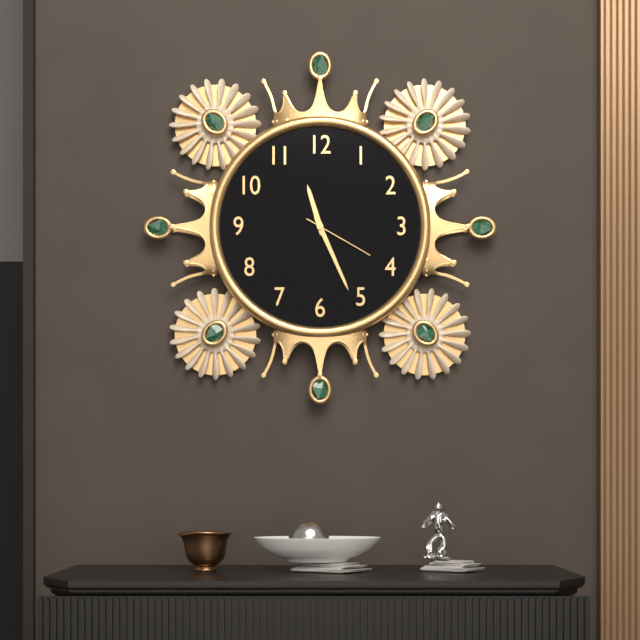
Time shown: h=11 m=26 s=20
